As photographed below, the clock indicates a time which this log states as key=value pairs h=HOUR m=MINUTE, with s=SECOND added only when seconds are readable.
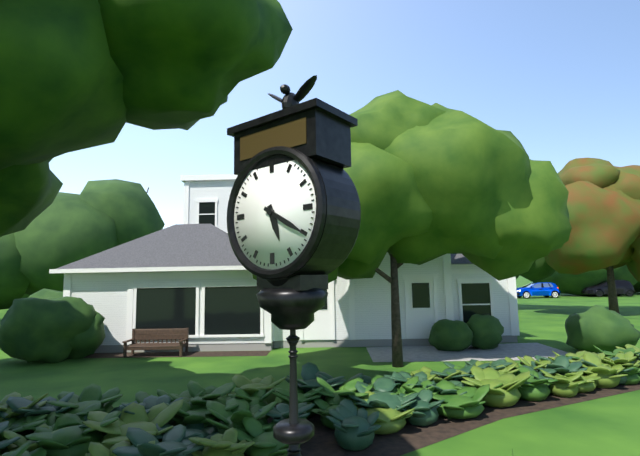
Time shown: h=5 m=20
